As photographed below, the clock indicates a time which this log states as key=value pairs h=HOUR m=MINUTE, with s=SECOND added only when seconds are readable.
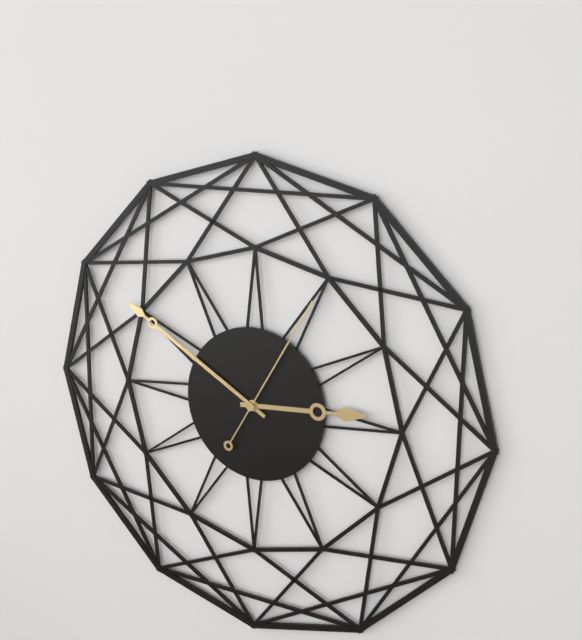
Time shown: h=2 m=50 s=5
